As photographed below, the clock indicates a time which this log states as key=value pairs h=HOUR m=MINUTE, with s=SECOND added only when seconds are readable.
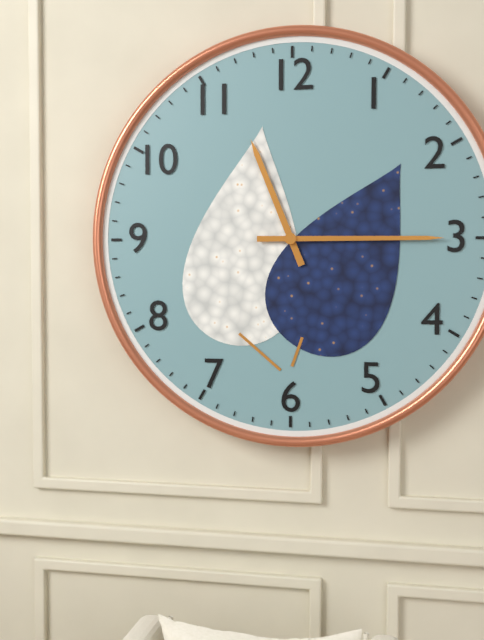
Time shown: h=11 m=15
